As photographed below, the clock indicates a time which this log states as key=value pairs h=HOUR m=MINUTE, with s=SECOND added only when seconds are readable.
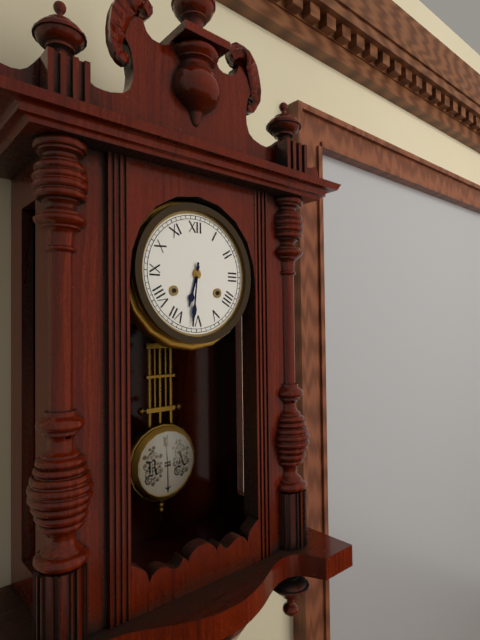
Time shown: h=6 m=31
